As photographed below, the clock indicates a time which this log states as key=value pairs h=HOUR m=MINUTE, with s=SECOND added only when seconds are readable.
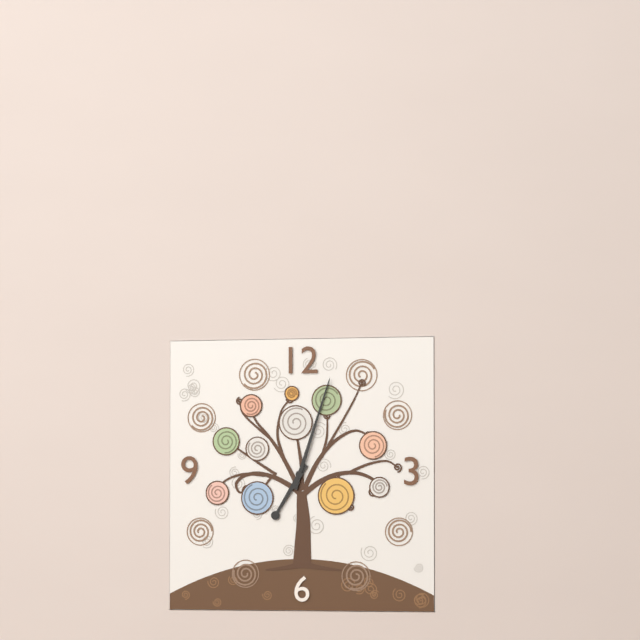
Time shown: h=7 m=3
